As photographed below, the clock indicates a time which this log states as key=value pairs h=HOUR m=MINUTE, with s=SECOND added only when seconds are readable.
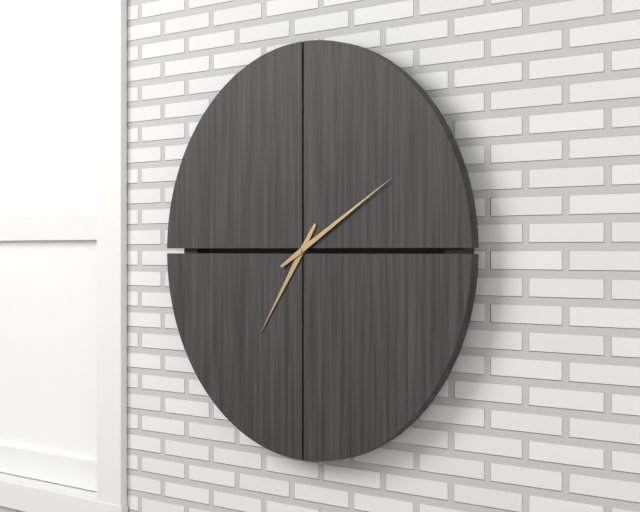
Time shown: h=7 m=10
